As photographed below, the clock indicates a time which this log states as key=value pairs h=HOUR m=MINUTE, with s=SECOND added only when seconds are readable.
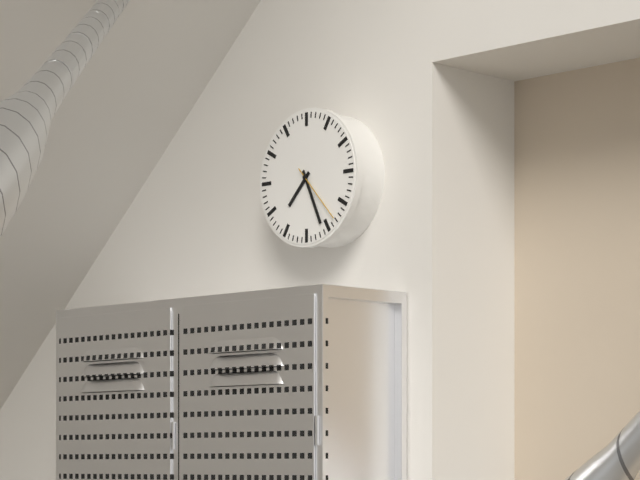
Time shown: h=7 m=26 s=23
